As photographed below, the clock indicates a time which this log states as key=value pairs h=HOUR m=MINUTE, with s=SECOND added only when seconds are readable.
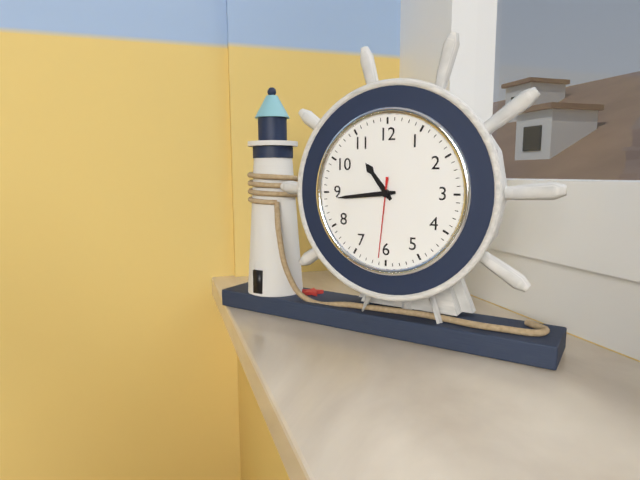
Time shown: h=10 m=44 s=31
